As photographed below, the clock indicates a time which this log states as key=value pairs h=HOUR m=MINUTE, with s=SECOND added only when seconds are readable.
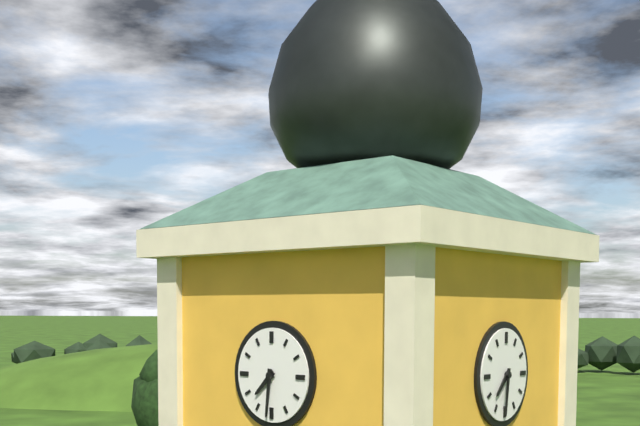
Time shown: h=7 m=31
